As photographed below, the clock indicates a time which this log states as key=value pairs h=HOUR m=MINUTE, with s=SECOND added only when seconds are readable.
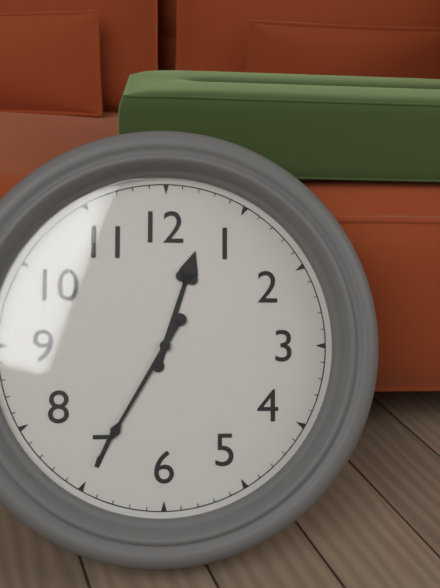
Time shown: h=12 m=35
